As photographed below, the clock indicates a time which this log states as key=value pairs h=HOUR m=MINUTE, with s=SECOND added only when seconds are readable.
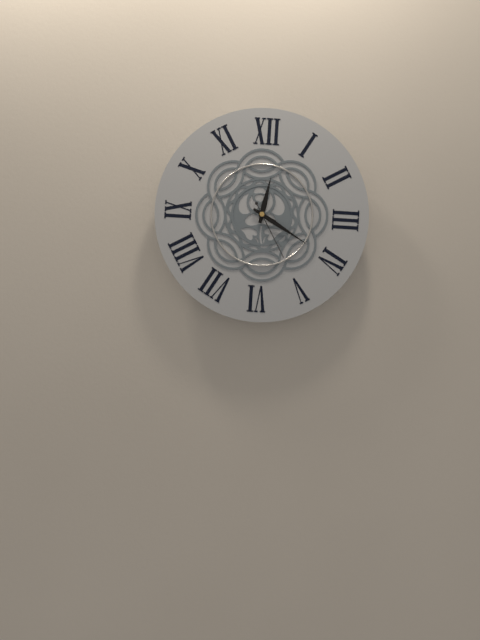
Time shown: h=12 m=20 s=25
